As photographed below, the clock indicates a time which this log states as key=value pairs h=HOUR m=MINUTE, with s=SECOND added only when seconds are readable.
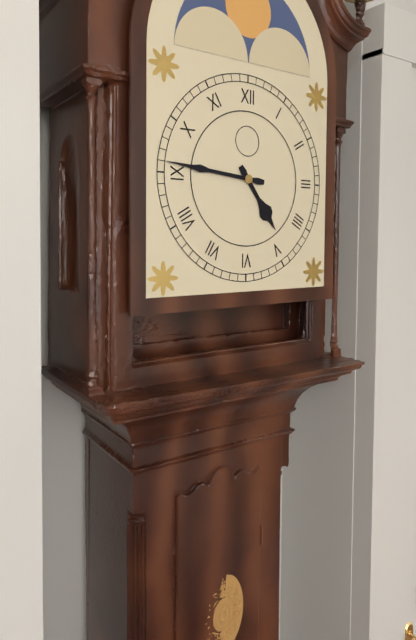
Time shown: h=4 m=46
